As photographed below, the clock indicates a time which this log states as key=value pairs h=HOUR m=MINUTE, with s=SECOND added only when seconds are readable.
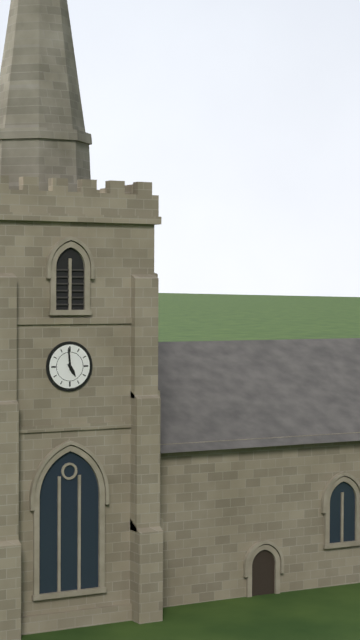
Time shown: h=4 m=59
